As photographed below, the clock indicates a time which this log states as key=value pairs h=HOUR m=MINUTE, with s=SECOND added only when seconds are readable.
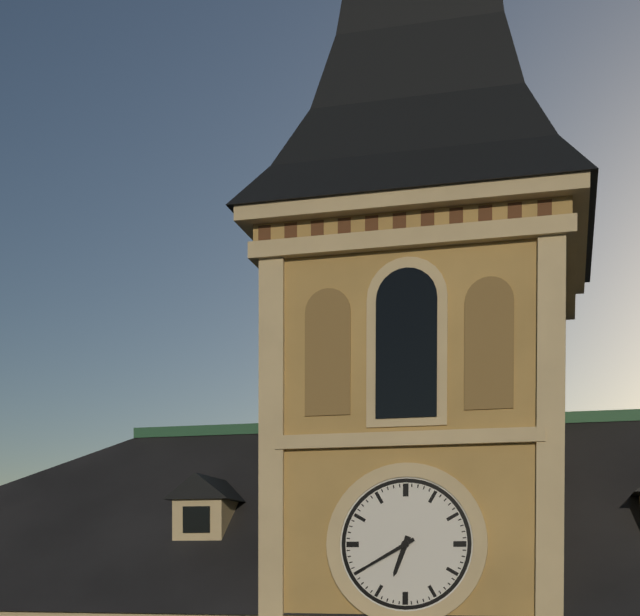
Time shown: h=6 m=40
